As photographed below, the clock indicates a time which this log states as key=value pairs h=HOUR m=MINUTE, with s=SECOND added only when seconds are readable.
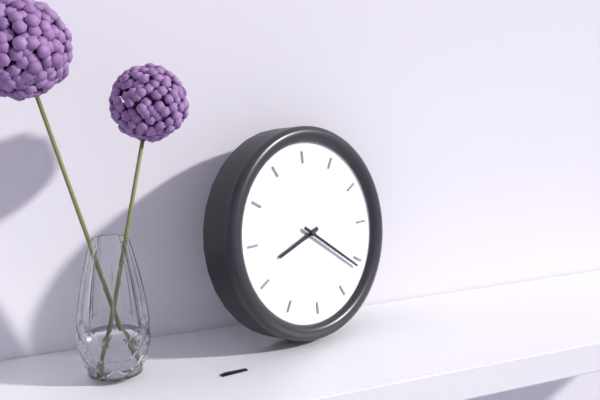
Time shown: h=8 m=21
